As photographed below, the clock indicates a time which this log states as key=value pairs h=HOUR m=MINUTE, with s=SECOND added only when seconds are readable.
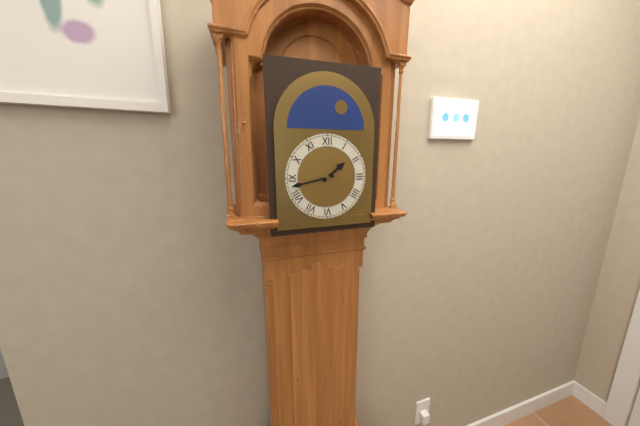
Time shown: h=1 m=43
